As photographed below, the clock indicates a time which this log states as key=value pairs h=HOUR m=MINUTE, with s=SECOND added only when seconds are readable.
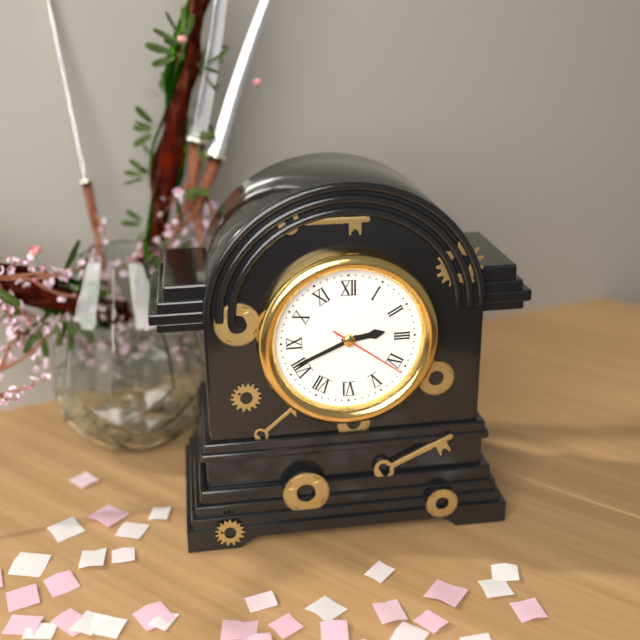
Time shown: h=2 m=41 s=21
